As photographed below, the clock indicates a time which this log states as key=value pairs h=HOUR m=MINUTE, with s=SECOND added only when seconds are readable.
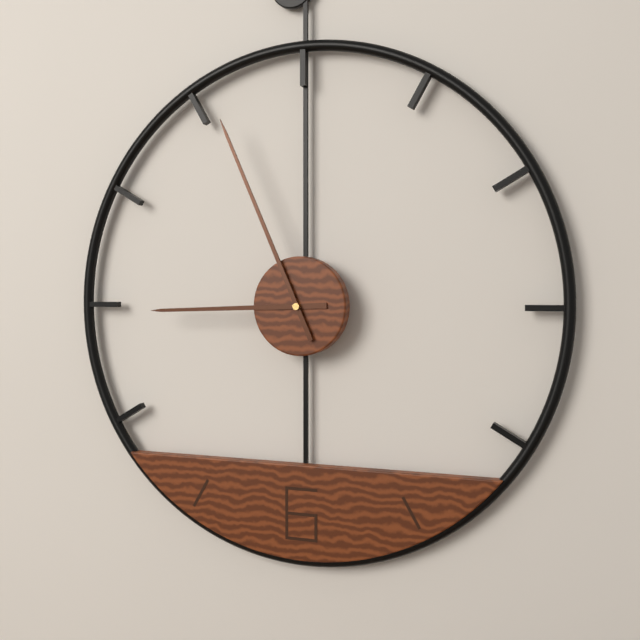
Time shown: h=8 m=56
